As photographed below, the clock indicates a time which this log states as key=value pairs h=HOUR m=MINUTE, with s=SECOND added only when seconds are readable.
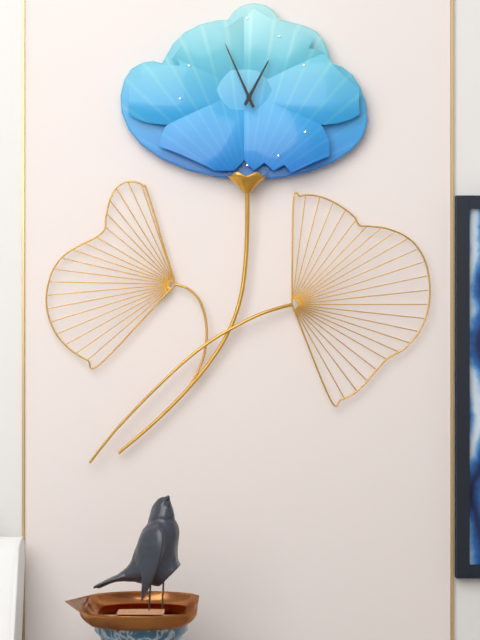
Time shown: h=12 m=56
